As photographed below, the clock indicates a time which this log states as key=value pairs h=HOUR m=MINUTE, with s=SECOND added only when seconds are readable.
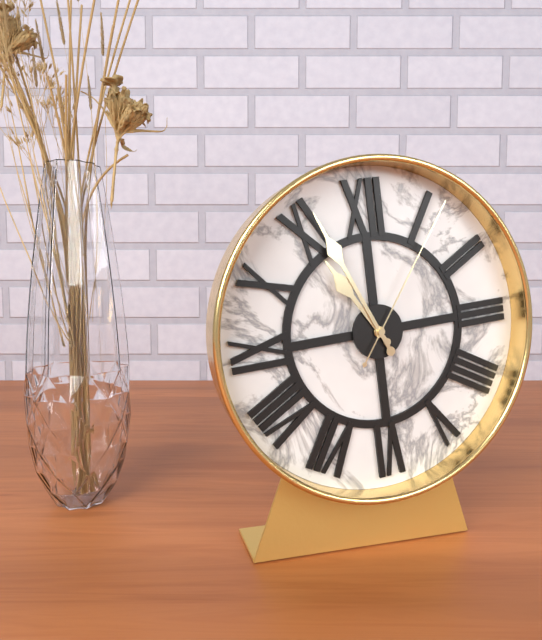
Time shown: h=10 m=56 s=6
